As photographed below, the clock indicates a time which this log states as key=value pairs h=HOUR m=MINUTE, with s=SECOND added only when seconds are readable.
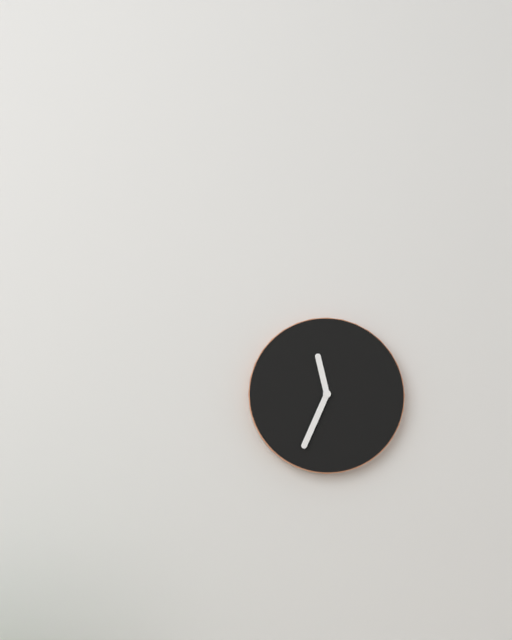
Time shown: h=11 m=34
